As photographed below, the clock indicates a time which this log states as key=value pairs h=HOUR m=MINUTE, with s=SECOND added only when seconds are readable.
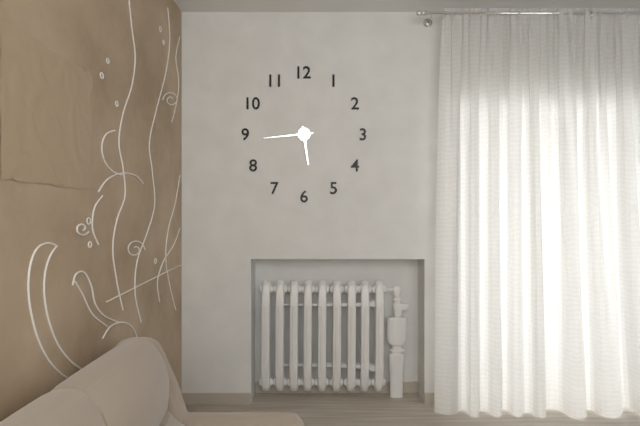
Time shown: h=5 m=44
